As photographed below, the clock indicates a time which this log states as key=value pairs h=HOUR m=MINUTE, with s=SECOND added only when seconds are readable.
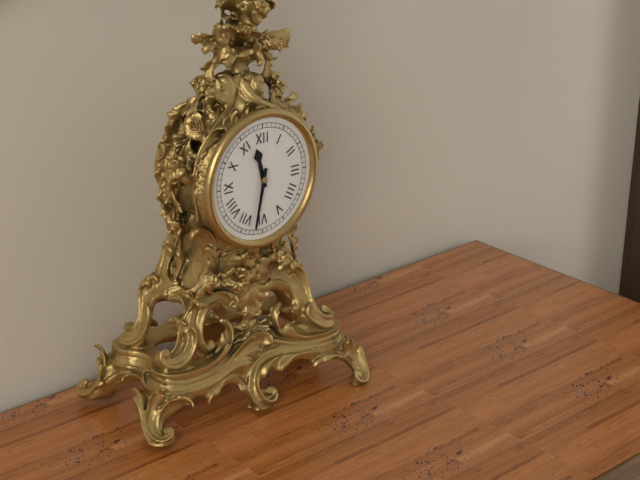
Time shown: h=11 m=32
